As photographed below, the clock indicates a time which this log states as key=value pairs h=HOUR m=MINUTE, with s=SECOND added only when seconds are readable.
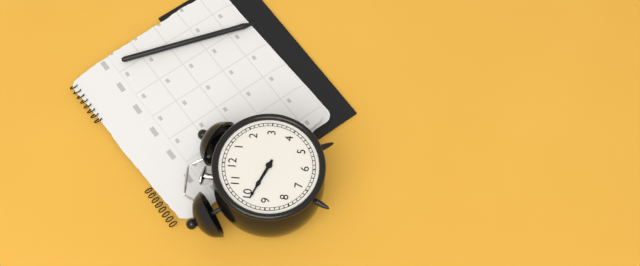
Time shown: h=9 m=49
